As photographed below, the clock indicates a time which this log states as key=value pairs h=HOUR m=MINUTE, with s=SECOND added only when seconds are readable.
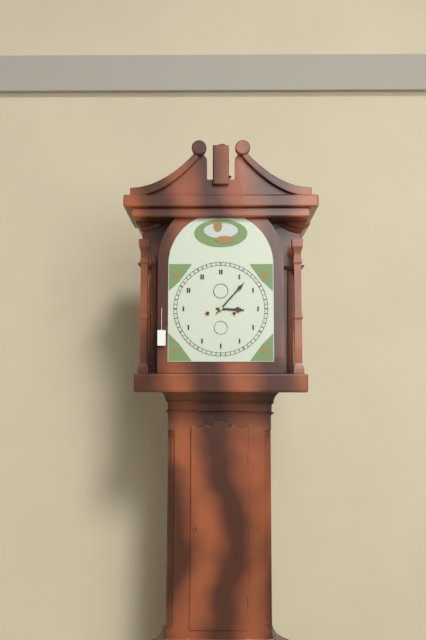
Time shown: h=3 m=7
